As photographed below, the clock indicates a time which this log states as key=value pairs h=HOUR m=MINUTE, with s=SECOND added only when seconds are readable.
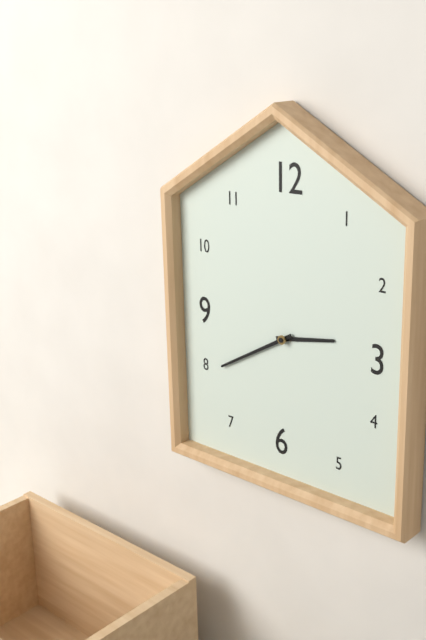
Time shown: h=2 m=40
